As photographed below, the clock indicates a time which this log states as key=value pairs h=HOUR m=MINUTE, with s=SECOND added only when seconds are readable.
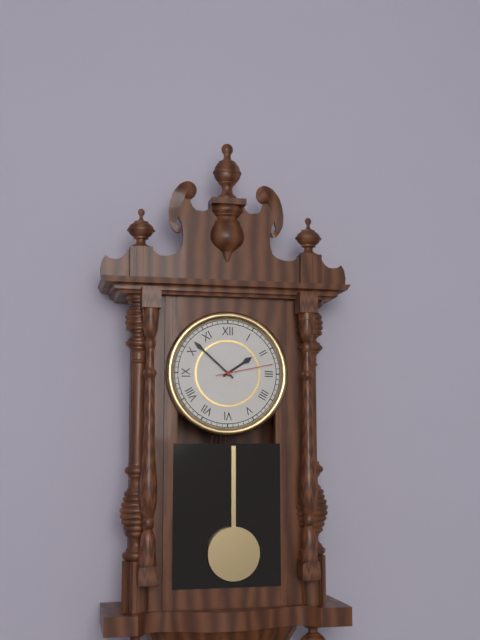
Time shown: h=1 m=52 s=13
